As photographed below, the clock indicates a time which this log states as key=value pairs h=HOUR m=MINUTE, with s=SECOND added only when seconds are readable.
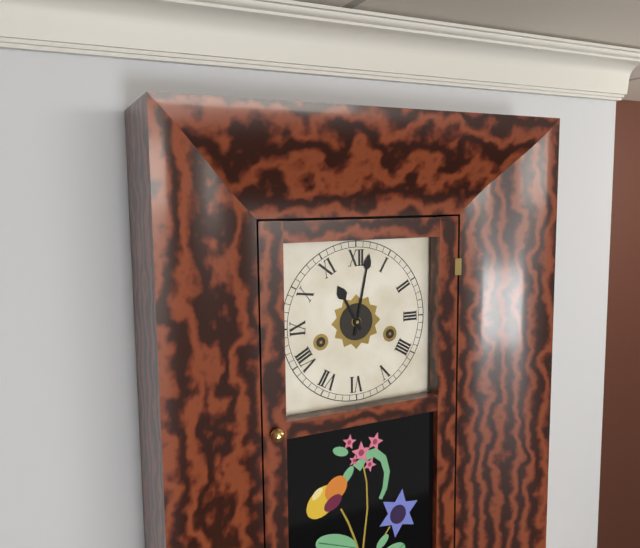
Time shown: h=11 m=2
